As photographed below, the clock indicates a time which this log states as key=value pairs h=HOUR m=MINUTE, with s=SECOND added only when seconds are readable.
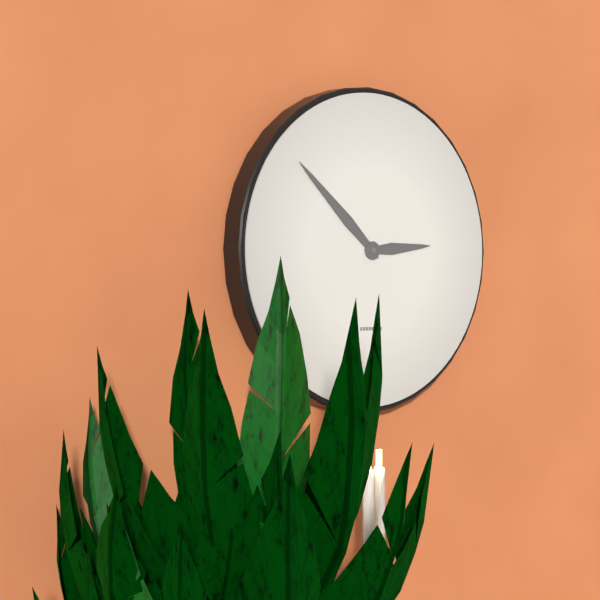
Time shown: h=2 m=52
